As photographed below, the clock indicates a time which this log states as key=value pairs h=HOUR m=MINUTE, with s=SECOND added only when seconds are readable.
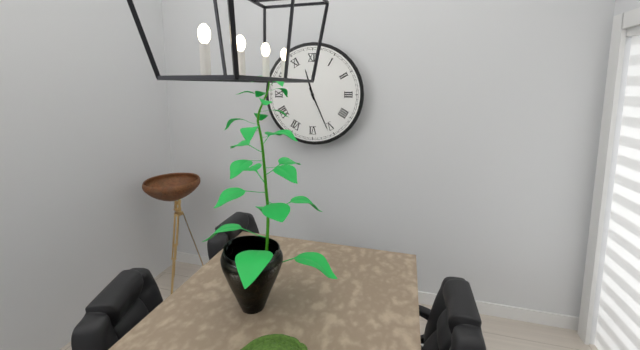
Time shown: h=11 m=26
